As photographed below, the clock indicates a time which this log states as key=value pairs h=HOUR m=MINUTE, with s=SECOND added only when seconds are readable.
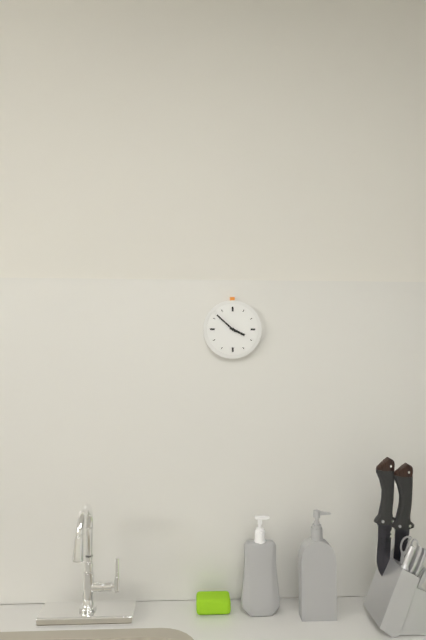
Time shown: h=3 m=52
